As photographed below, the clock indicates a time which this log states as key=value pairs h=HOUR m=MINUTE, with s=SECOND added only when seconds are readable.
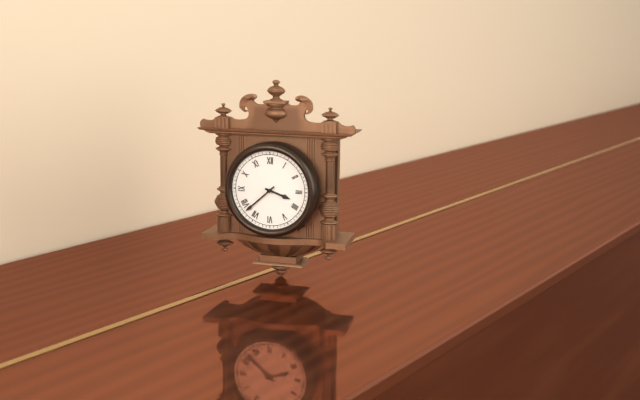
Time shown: h=3 m=38
